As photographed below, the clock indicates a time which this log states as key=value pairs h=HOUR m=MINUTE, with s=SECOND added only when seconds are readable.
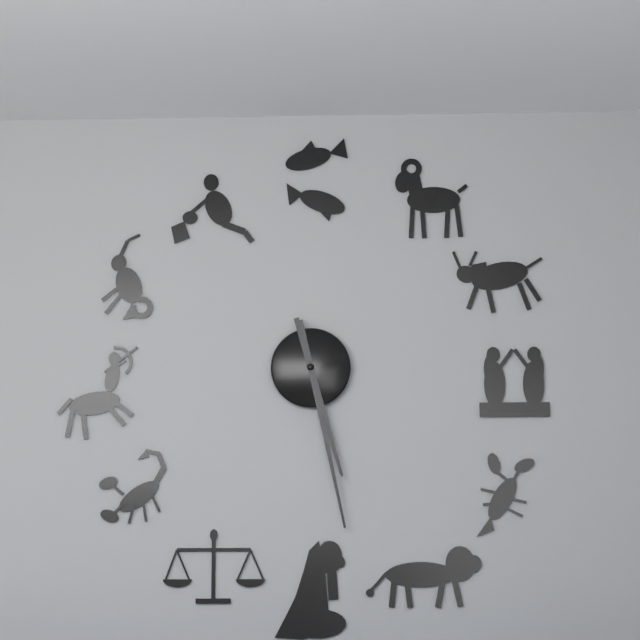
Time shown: h=5 m=28
